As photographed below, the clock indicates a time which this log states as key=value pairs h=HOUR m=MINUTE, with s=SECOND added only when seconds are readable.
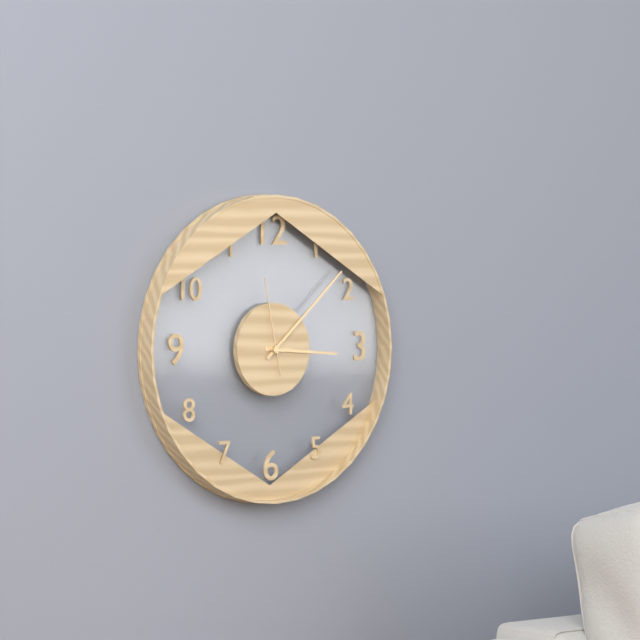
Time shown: h=3 m=8 s=58
